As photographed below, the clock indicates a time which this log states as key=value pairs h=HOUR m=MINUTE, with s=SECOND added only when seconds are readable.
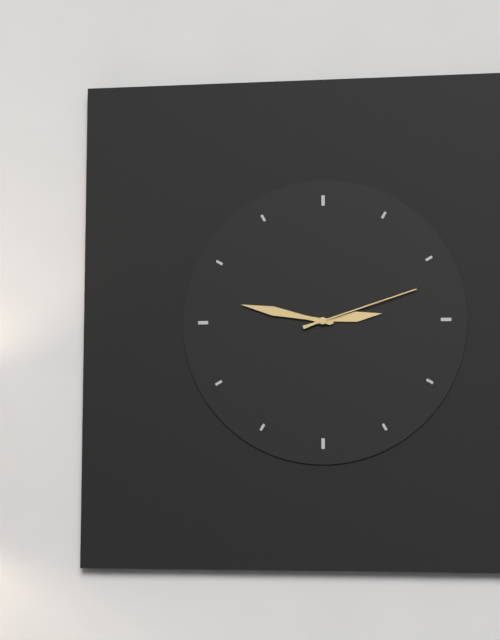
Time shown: h=2 m=47 s=12
